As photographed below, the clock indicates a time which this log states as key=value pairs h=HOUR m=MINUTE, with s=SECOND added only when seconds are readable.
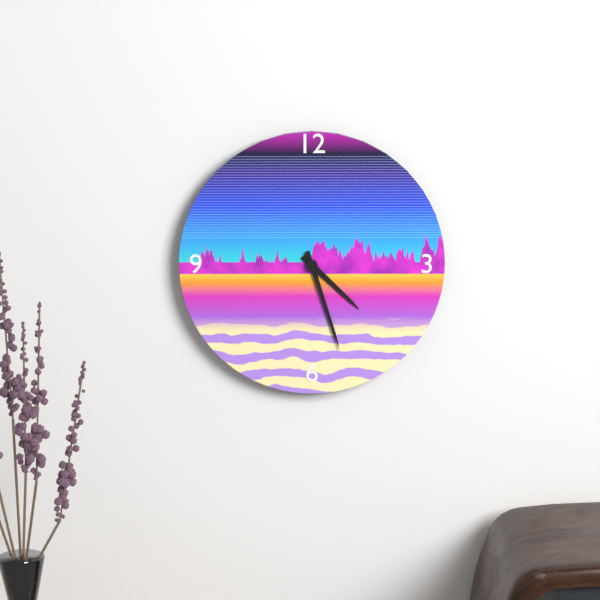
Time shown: h=4 m=27
